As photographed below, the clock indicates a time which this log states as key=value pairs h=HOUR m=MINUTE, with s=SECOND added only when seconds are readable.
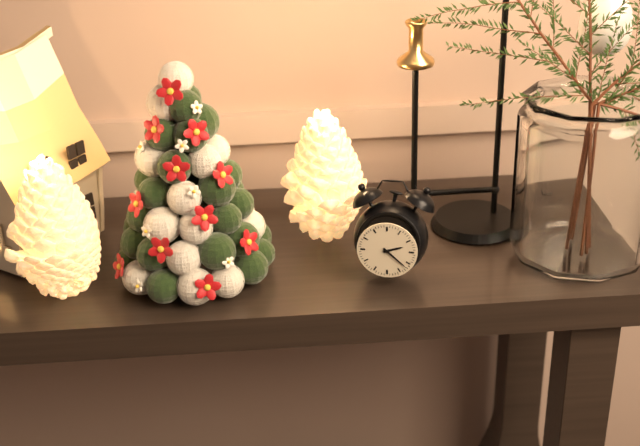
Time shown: h=2 m=22
